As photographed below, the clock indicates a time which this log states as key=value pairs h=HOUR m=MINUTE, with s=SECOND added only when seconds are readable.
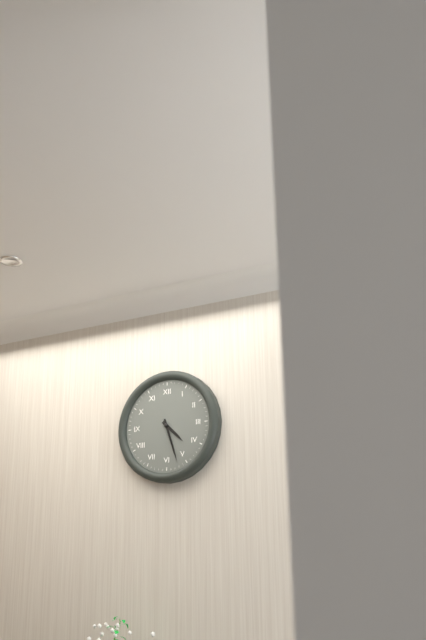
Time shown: h=4 m=27
